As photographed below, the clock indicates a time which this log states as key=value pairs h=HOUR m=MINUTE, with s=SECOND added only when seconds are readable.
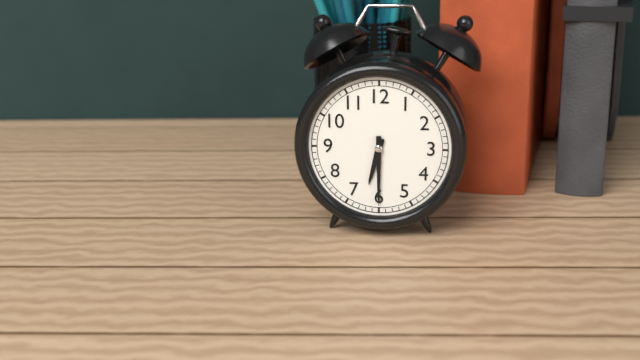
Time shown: h=6 m=30
